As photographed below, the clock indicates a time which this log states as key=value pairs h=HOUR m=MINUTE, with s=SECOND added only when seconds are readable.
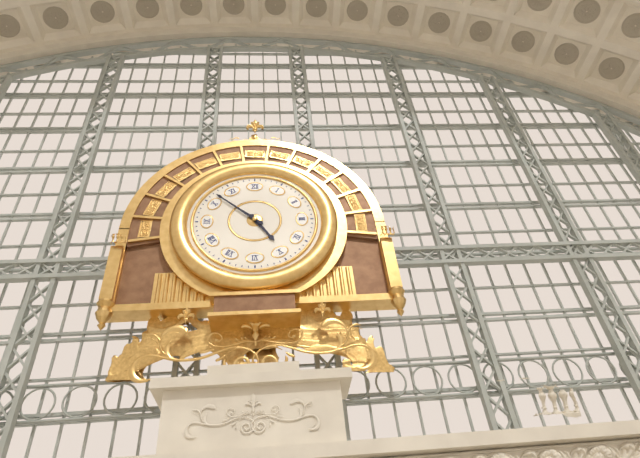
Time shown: h=4 m=52
